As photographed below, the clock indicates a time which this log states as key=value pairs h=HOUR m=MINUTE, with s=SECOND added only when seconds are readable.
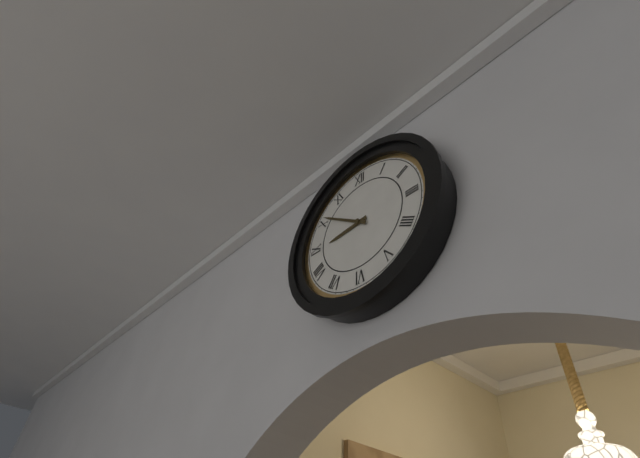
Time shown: h=8 m=51
